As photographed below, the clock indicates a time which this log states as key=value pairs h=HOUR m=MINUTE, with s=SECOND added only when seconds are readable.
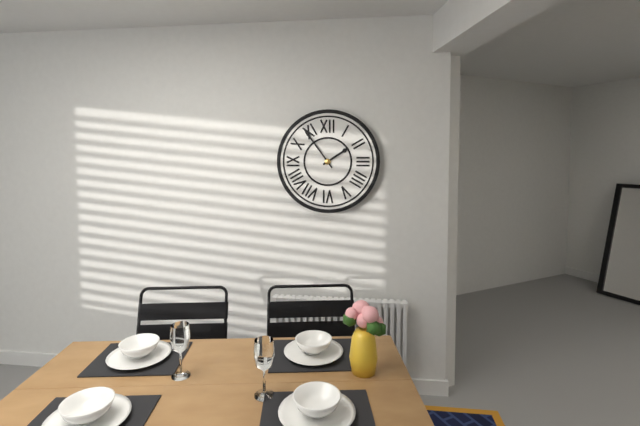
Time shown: h=1 m=54
